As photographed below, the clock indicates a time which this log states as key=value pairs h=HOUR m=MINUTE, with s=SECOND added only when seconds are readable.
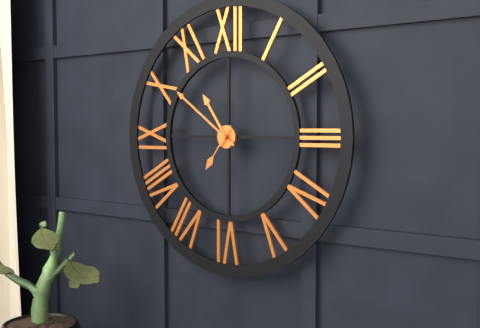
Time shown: h=10 m=51 s=36
